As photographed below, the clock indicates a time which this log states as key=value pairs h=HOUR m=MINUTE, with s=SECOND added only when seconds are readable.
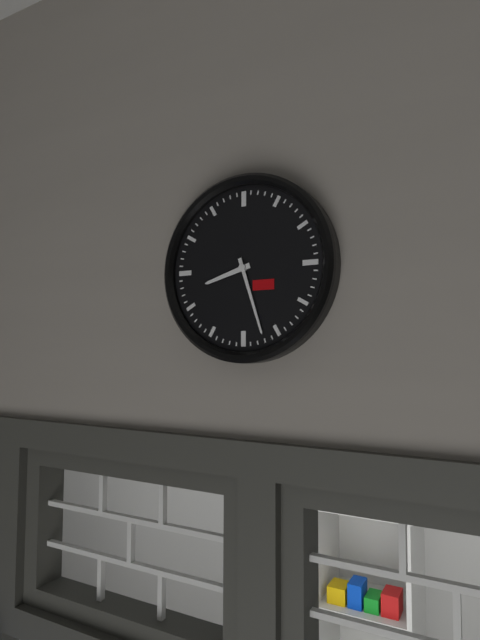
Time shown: h=8 m=27
